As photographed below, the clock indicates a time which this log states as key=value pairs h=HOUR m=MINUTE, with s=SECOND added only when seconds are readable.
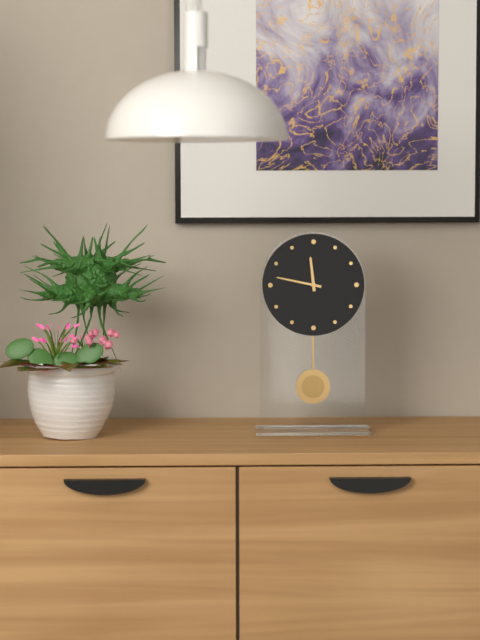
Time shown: h=11 m=47
